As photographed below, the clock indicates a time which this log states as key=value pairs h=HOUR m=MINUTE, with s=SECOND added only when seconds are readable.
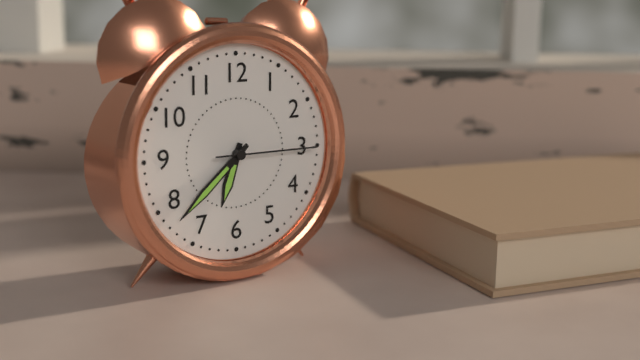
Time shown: h=6 m=38 s=15
